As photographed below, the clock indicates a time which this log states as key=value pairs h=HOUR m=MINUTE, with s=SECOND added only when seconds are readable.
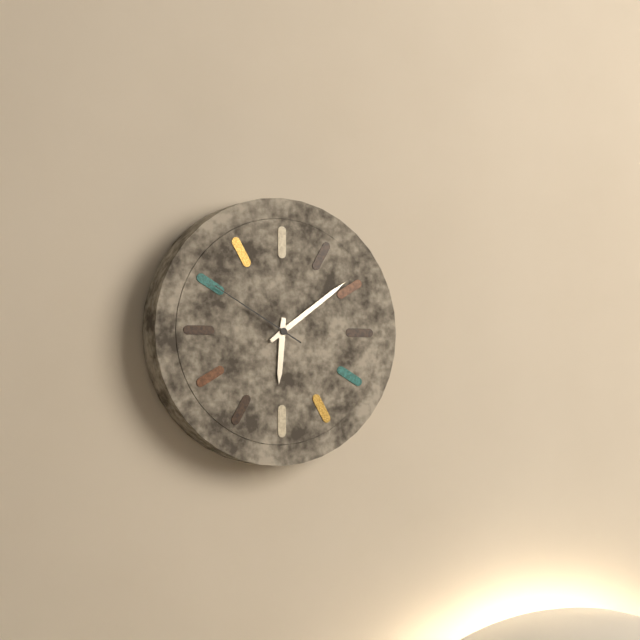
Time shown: h=6 m=9 s=50
